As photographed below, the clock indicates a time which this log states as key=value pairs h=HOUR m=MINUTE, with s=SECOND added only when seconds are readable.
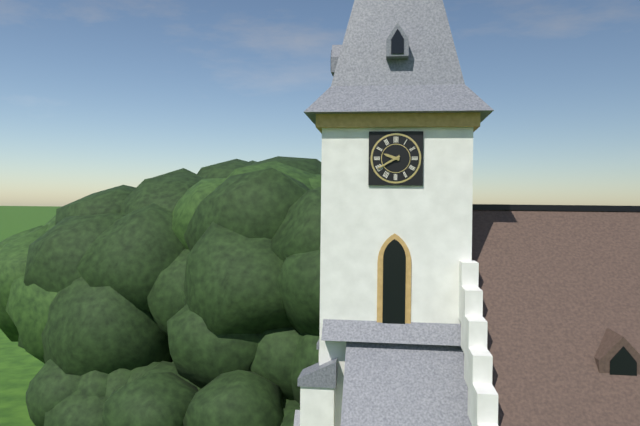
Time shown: h=9 m=40
